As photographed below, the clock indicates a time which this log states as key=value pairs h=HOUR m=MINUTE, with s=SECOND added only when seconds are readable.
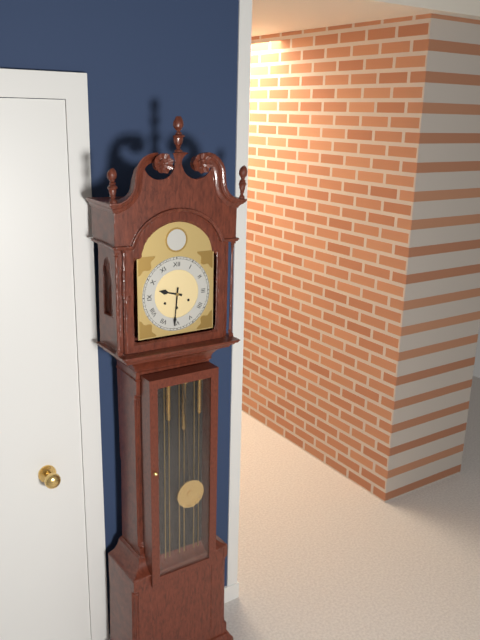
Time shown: h=9 m=31
